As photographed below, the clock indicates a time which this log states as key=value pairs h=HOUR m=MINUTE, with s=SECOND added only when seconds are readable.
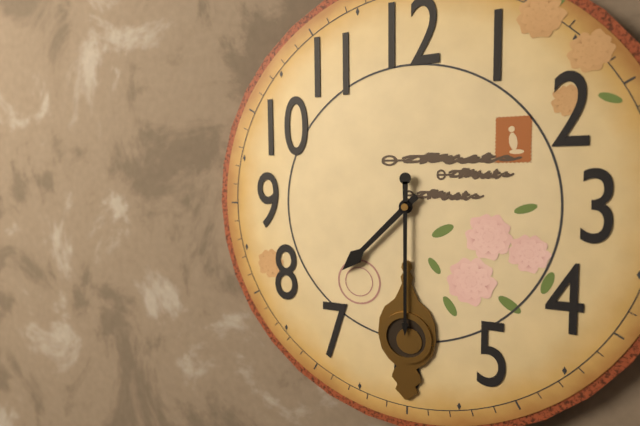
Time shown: h=7 m=30
